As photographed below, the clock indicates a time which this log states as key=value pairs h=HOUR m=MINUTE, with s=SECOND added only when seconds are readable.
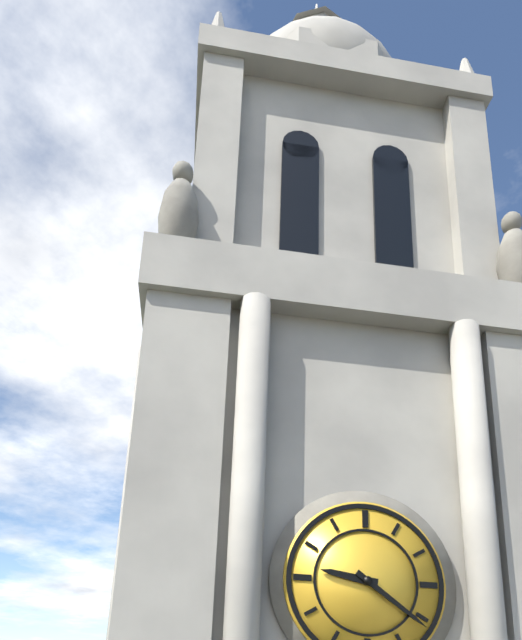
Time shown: h=9 m=21
